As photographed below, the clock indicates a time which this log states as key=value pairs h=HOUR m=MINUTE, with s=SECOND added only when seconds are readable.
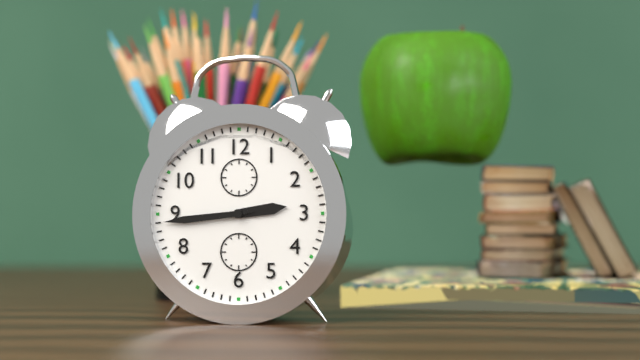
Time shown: h=2 m=44
